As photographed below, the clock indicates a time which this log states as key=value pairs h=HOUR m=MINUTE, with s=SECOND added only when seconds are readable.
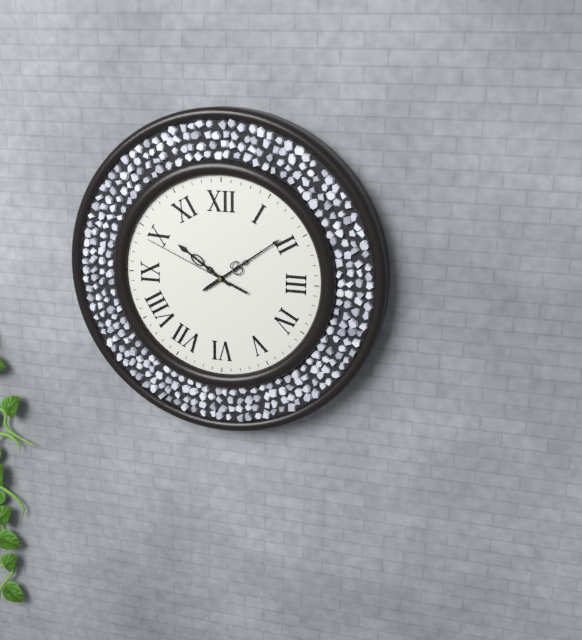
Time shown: h=10 m=9 s=49
